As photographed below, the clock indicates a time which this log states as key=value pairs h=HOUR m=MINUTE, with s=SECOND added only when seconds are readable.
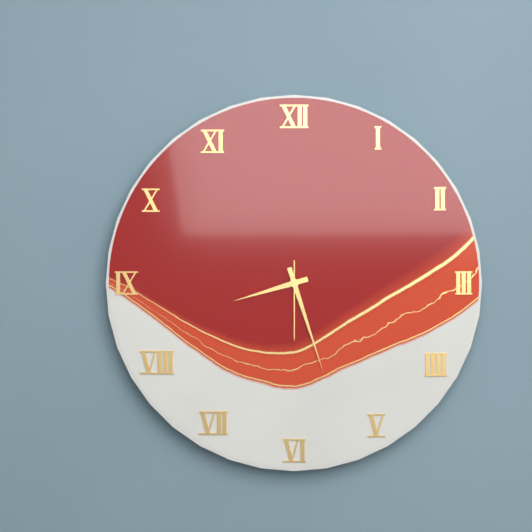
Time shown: h=8 m=27 s=30
